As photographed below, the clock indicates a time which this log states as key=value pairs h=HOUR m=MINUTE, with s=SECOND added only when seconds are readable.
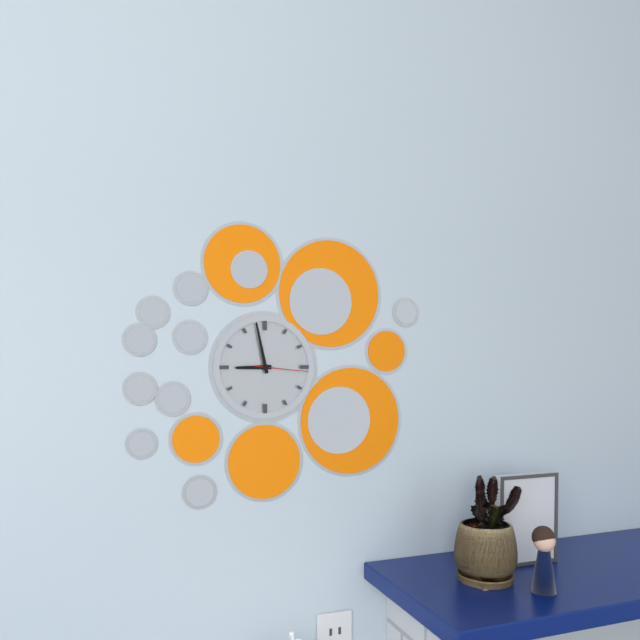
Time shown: h=8 m=58 s=16
